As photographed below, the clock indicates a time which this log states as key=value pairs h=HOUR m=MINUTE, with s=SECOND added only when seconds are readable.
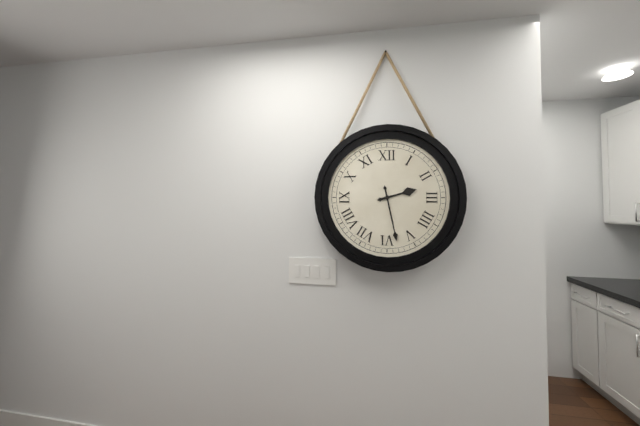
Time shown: h=2 m=28
